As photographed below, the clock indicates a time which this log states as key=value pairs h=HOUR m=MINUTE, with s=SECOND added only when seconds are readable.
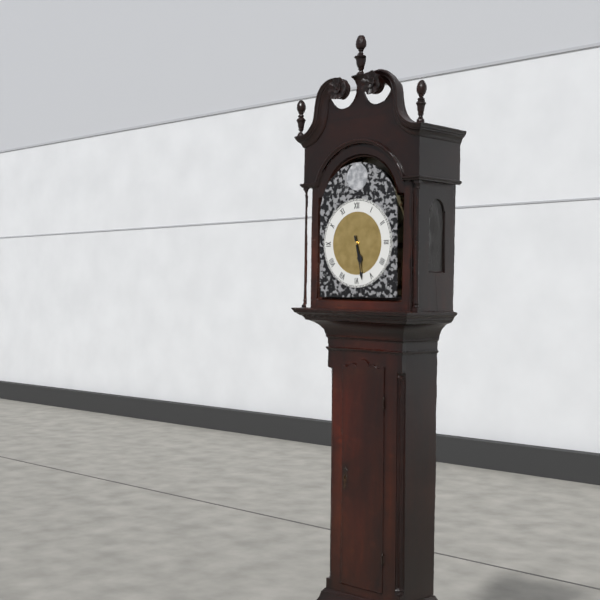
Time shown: h=5 m=28
